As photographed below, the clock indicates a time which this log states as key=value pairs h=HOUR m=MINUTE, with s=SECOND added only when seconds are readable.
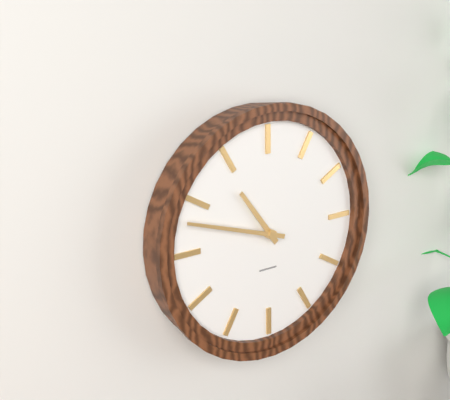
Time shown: h=10 m=48
